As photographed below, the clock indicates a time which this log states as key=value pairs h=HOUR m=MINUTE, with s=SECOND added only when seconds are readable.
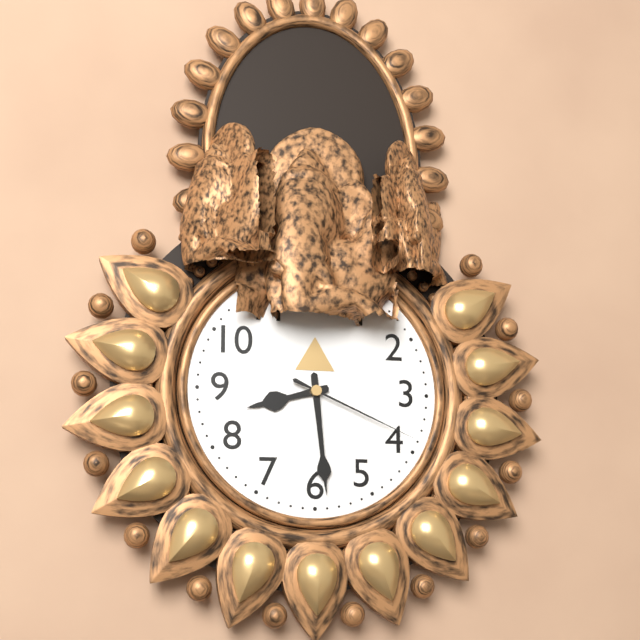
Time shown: h=8 m=29 s=19
